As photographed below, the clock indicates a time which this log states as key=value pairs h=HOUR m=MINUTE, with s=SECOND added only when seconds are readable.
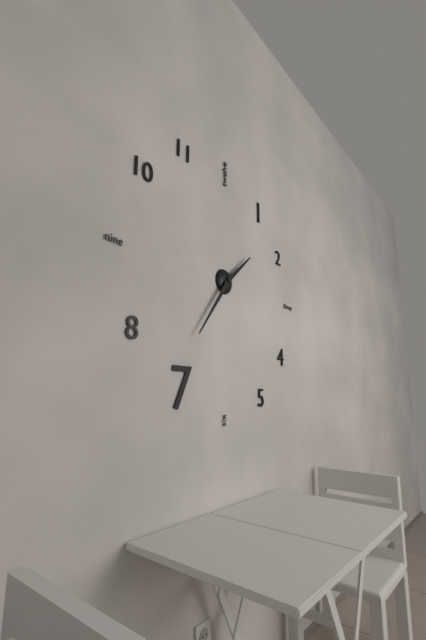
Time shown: h=1 m=36
